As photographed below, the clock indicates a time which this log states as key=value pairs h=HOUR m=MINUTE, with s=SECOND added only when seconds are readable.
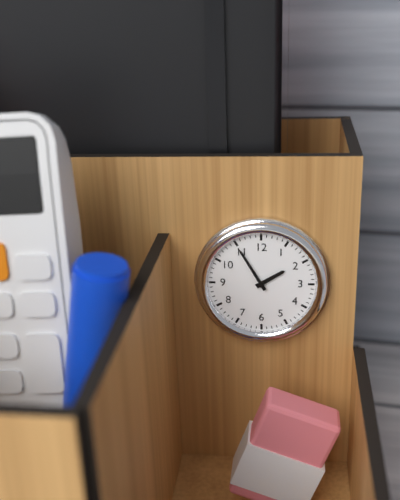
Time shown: h=1 m=55
